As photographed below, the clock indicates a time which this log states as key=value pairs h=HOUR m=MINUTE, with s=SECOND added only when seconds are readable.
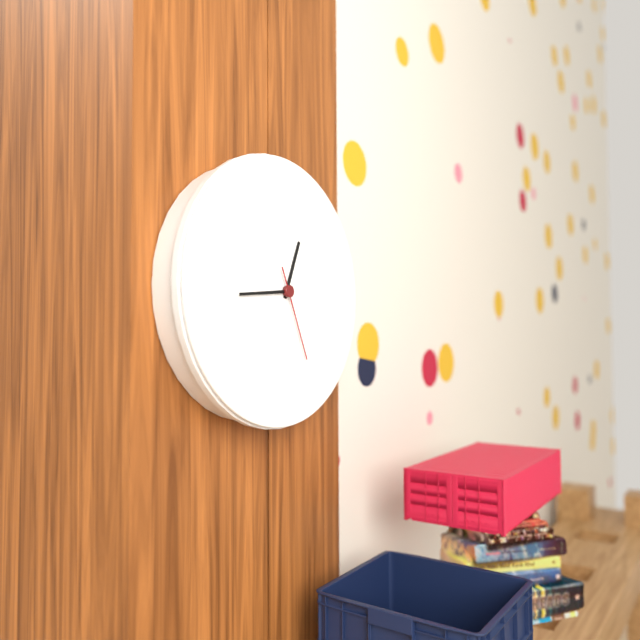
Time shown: h=12 m=44 s=26
